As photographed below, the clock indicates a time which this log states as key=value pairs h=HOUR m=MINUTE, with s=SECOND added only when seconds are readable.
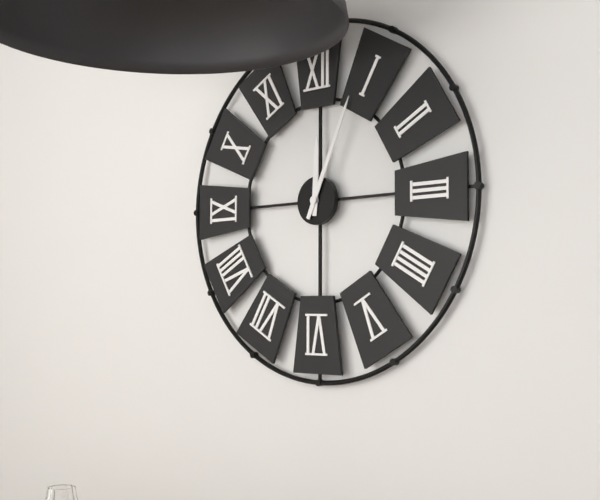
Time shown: h=12 m=4
